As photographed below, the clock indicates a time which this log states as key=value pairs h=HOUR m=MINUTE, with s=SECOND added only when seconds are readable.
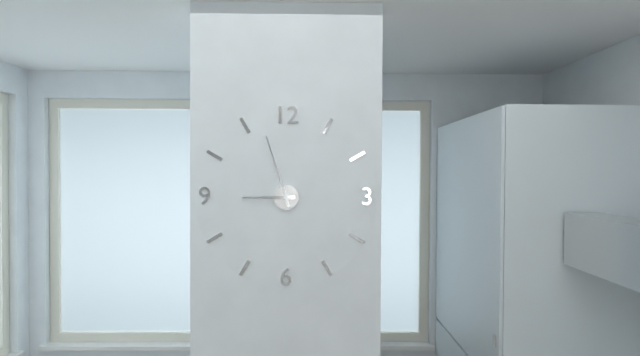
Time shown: h=8 m=57
